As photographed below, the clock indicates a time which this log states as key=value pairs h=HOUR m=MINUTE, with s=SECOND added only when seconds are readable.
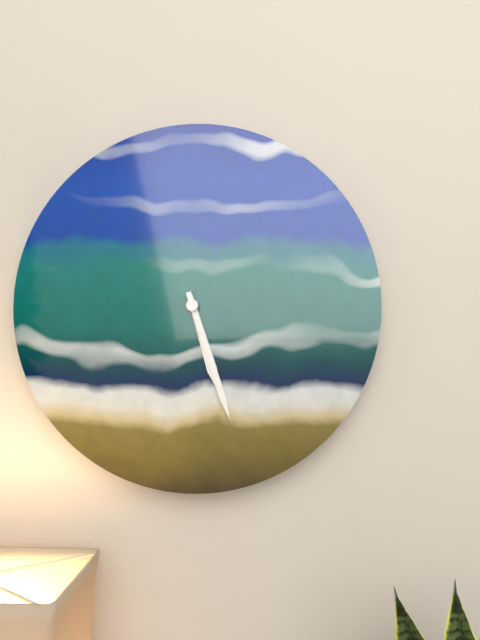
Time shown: h=5 m=27
